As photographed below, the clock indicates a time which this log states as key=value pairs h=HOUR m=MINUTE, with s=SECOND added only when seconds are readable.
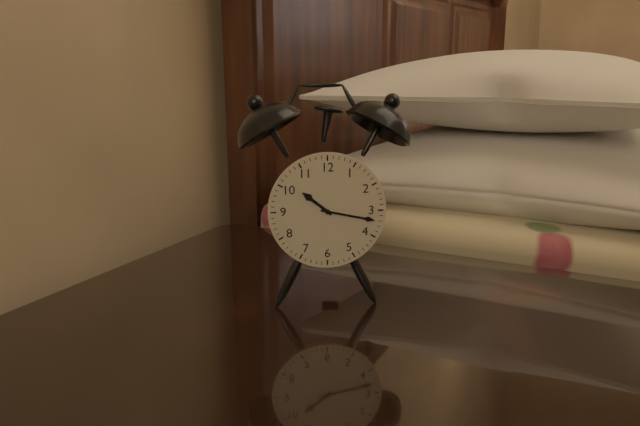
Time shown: h=10 m=17
